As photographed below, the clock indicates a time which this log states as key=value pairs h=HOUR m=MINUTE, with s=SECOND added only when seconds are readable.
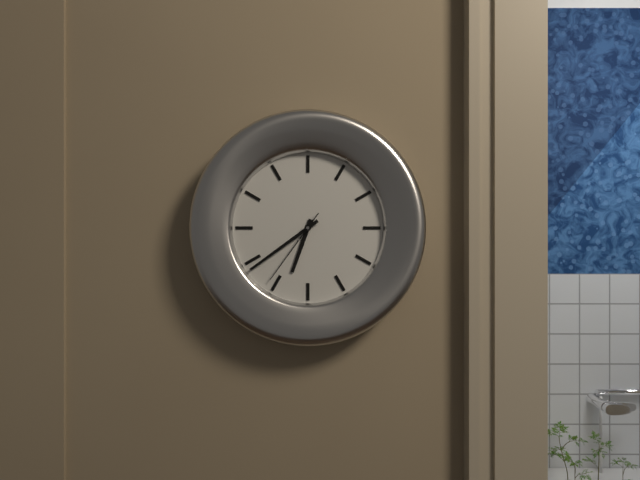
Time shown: h=6 m=39 s=36
